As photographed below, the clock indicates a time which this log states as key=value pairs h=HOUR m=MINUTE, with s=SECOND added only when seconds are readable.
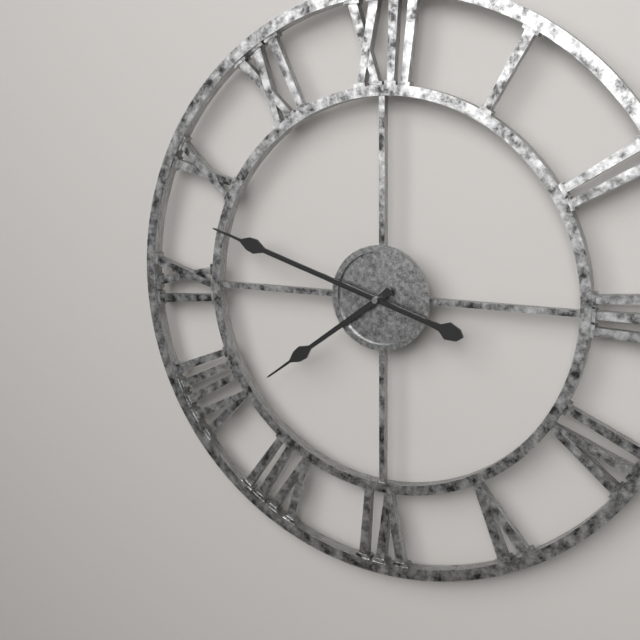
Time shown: h=7 m=48
